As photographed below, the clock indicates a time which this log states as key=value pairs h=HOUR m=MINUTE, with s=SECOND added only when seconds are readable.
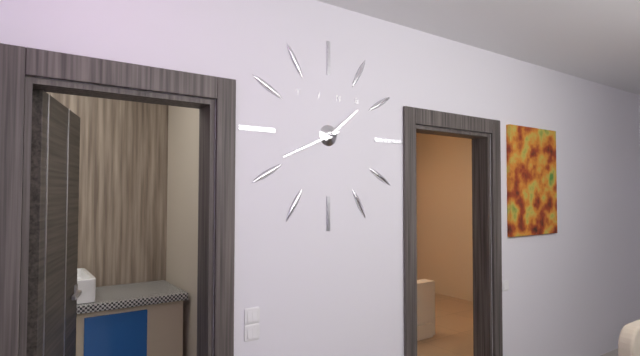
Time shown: h=1 m=41
